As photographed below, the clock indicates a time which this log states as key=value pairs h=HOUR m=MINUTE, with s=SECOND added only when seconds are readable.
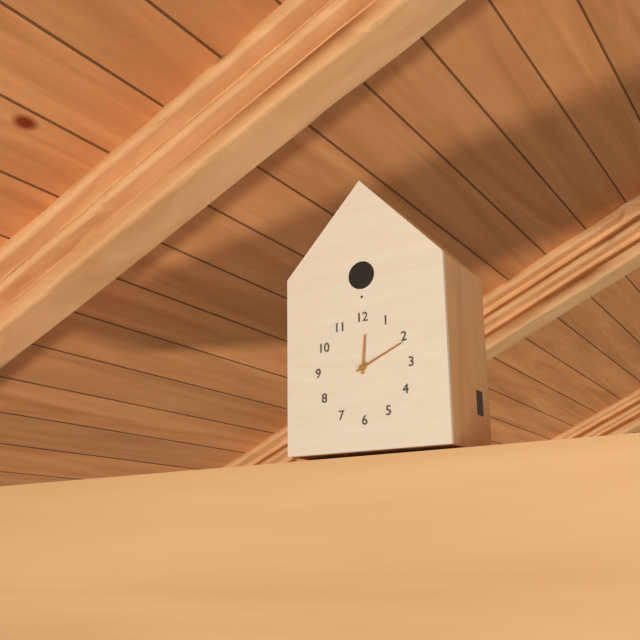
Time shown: h=12 m=11
